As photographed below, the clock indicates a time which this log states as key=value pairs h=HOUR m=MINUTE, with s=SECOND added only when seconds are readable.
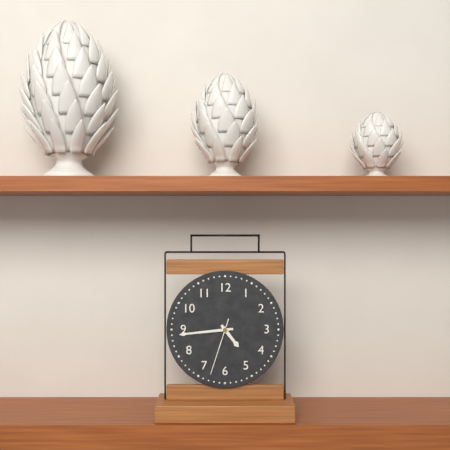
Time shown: h=4 m=44 s=33
